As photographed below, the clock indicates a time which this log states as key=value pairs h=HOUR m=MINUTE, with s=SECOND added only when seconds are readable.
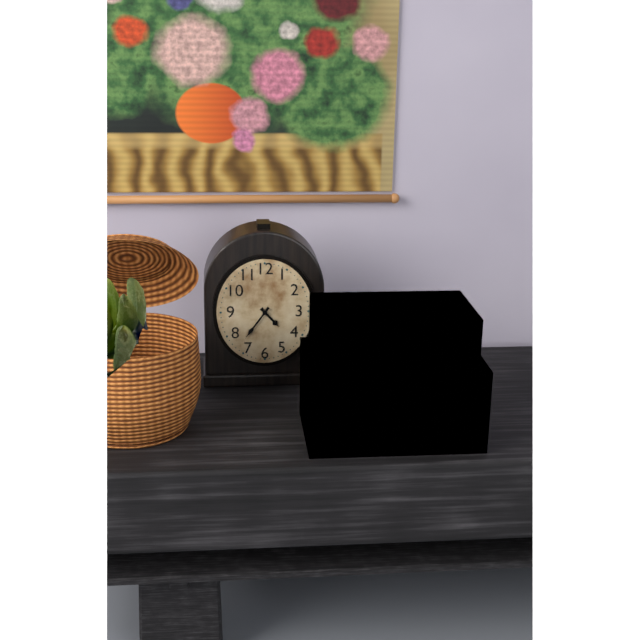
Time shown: h=4 m=36
